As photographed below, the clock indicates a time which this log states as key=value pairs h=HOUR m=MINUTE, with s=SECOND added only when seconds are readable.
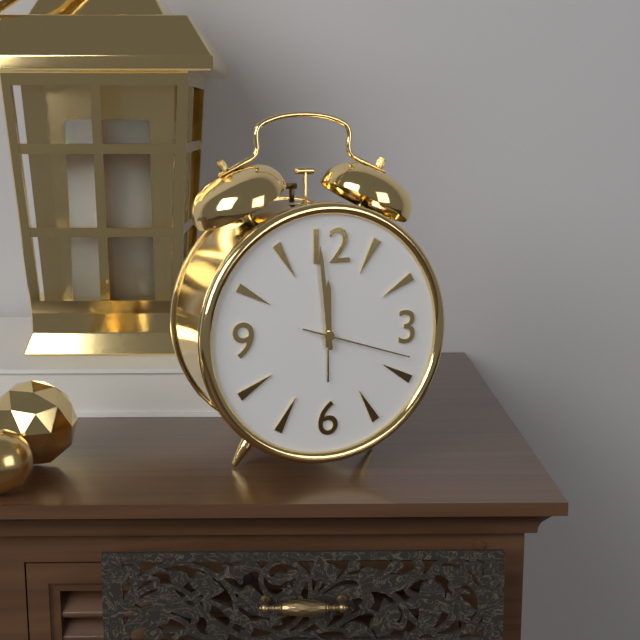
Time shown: h=11 m=59 s=18
